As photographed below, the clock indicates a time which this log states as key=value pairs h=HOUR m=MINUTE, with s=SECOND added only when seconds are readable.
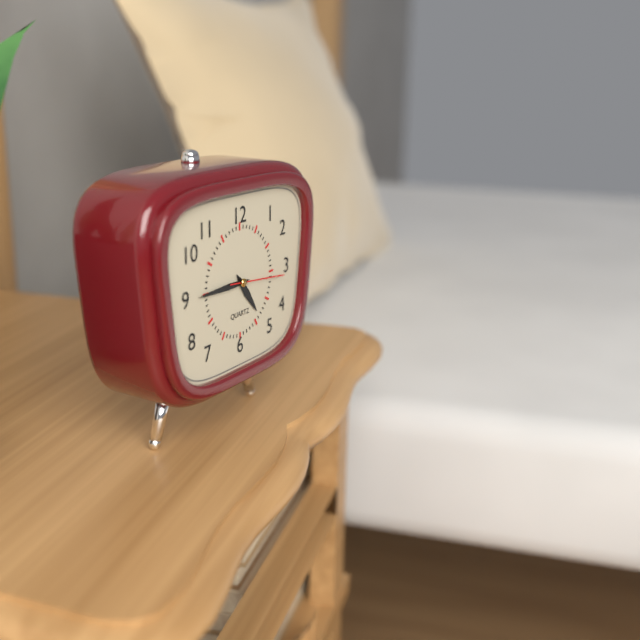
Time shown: h=4 m=45 s=16
